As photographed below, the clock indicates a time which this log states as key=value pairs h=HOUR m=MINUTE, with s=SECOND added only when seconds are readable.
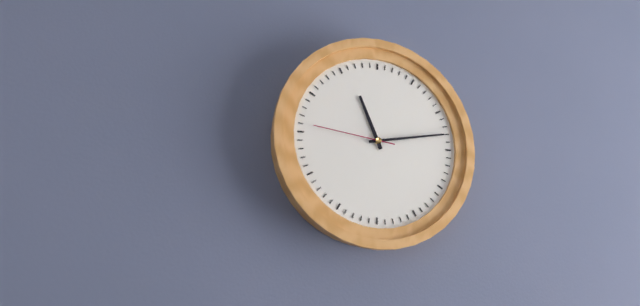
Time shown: h=11 m=13 s=46
